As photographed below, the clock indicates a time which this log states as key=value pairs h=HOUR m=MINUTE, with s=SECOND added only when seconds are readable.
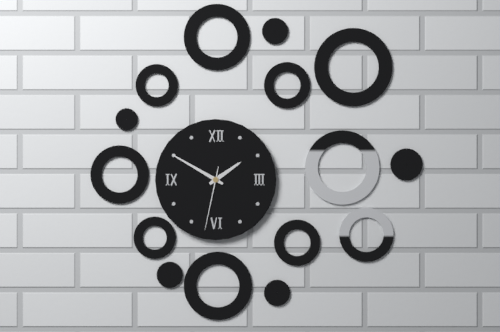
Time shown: h=1 m=50 s=32
